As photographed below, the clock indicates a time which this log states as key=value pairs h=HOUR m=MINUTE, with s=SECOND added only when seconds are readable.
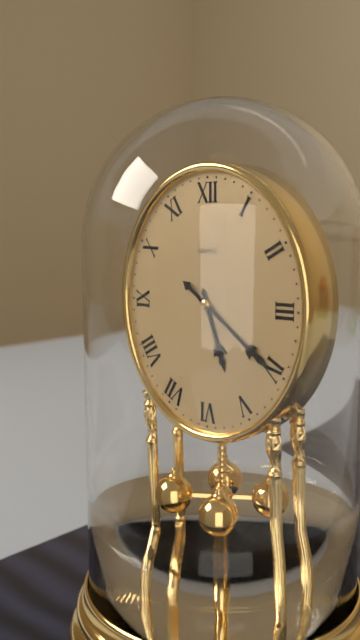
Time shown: h=5 m=21
